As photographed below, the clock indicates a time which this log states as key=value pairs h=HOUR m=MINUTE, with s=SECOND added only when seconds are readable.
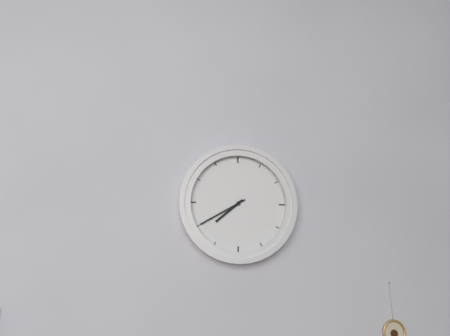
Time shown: h=7 m=40
